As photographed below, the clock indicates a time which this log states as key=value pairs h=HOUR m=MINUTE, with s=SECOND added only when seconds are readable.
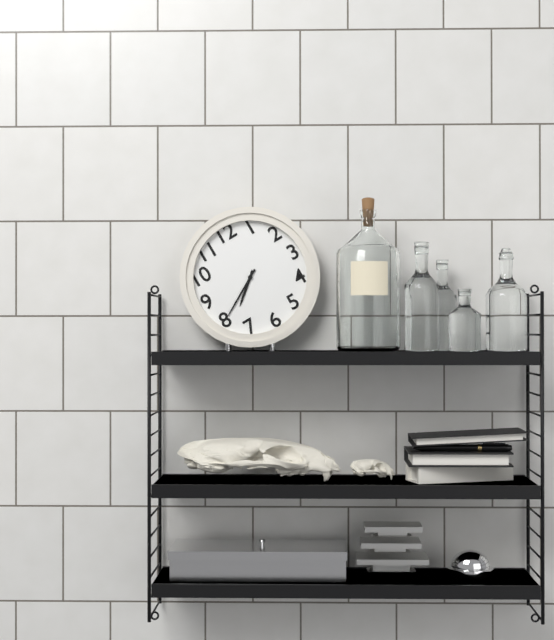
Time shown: h=7 m=40
